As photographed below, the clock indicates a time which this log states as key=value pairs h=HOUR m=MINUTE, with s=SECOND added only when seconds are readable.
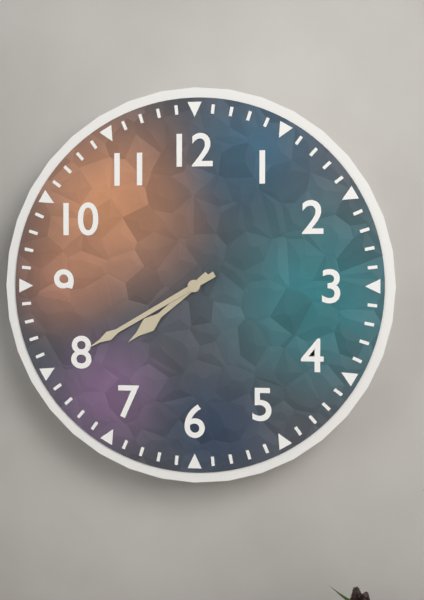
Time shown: h=7 m=40
